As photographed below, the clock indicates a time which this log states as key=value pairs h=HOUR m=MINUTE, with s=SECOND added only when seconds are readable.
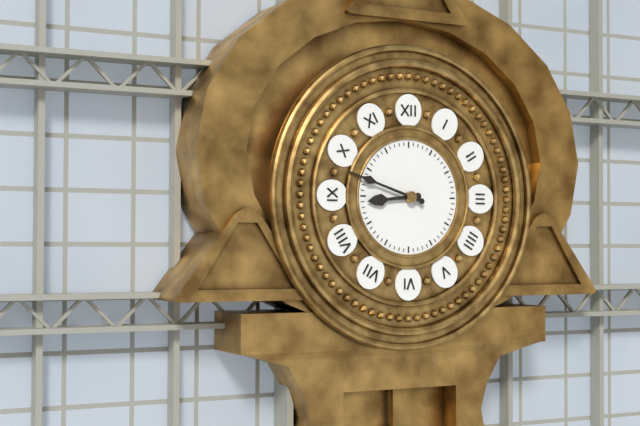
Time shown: h=8 m=48
